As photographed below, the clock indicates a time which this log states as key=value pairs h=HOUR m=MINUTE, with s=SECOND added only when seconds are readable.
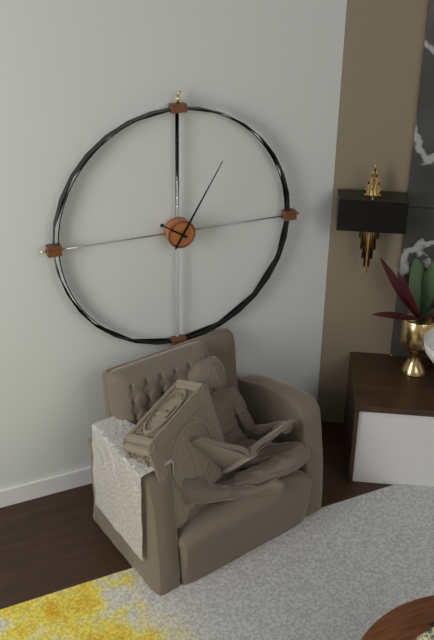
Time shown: h=10 m=5
